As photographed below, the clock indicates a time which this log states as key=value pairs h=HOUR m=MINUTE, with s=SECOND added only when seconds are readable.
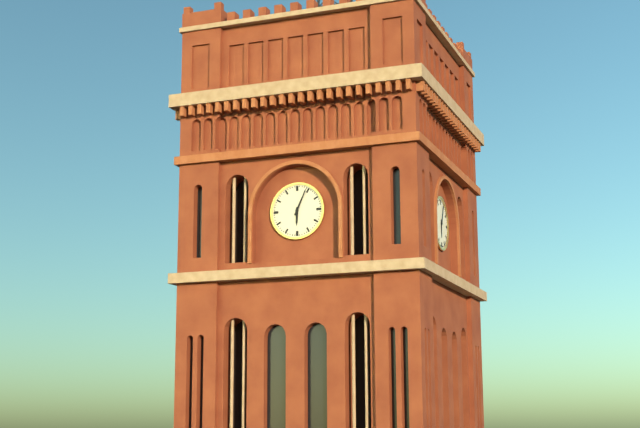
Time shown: h=6 m=4
